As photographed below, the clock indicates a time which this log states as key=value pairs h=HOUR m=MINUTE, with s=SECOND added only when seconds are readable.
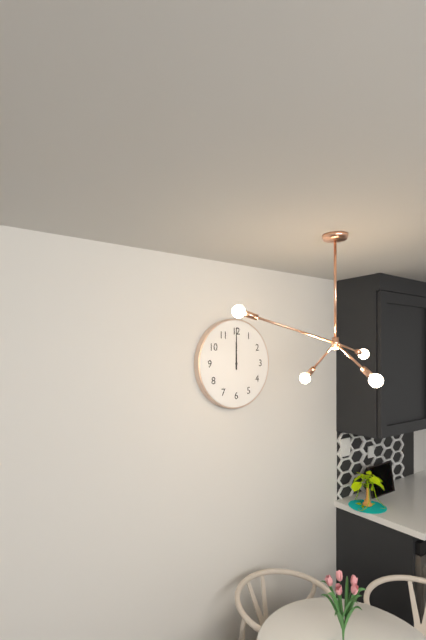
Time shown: h=12 m=0
